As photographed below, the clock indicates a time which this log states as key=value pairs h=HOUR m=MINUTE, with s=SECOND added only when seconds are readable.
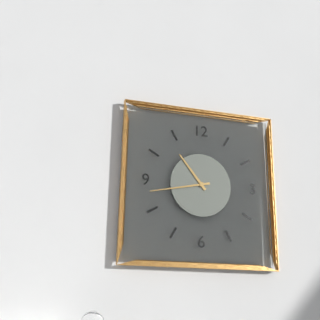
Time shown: h=10 m=43
